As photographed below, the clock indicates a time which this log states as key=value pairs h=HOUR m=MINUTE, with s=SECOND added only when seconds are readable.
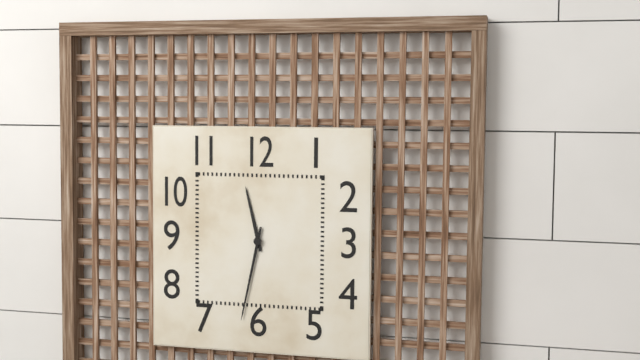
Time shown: h=11 m=32
